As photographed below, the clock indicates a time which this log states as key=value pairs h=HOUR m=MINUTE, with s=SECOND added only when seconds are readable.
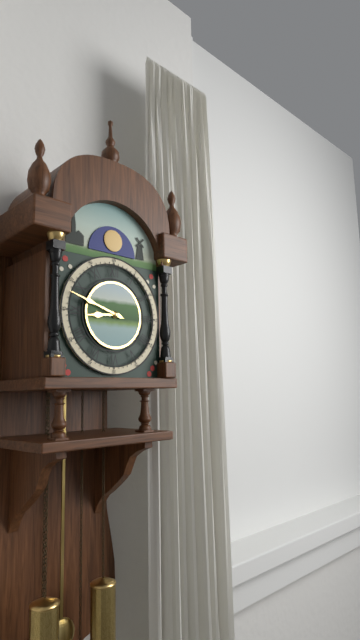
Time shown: h=8 m=48
